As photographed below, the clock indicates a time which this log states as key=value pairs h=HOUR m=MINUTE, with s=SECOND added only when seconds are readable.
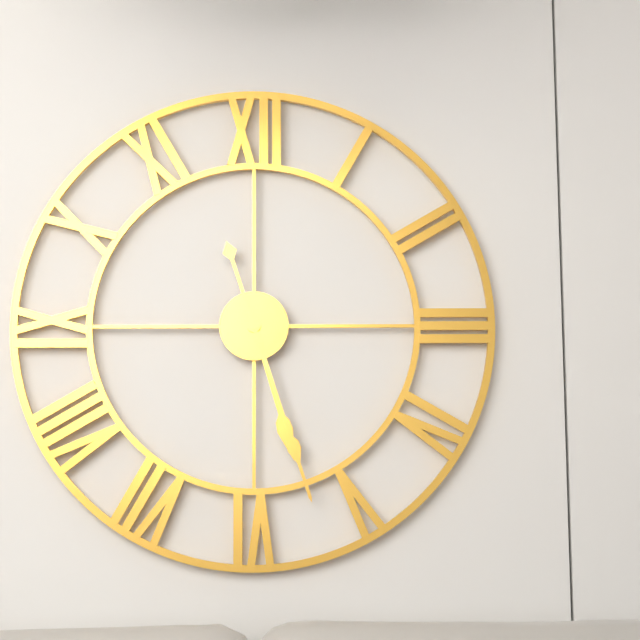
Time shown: h=5 m=27
